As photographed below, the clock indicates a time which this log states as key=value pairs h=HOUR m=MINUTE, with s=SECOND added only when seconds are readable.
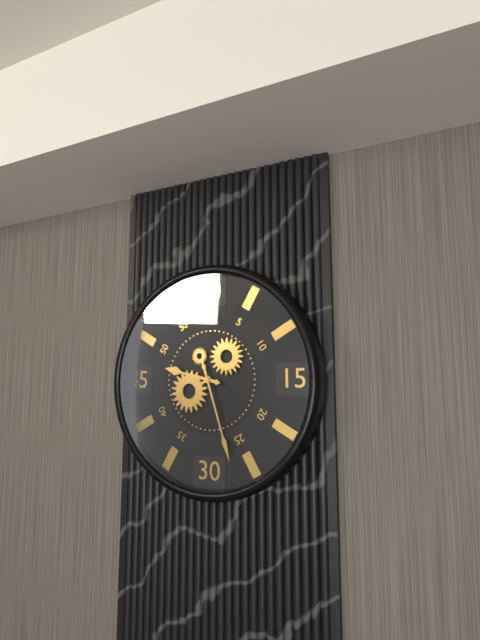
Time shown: h=9 m=27
